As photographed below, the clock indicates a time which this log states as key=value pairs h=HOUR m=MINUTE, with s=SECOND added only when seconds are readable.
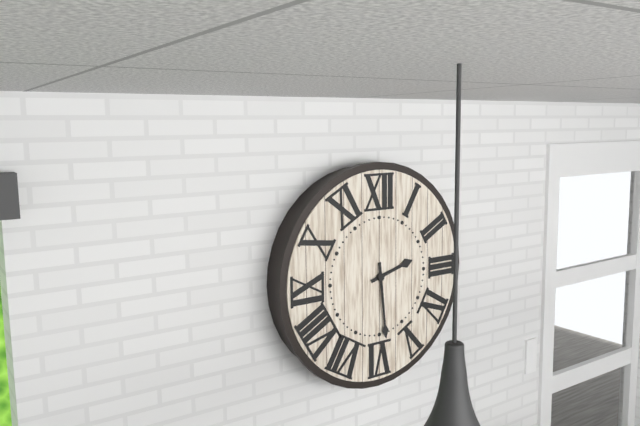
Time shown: h=2 m=29
